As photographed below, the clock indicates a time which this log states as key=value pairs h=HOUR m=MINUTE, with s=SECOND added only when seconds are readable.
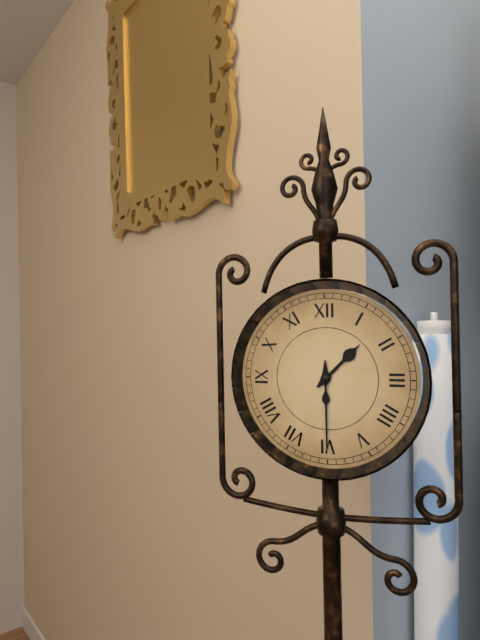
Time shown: h=1 m=30
